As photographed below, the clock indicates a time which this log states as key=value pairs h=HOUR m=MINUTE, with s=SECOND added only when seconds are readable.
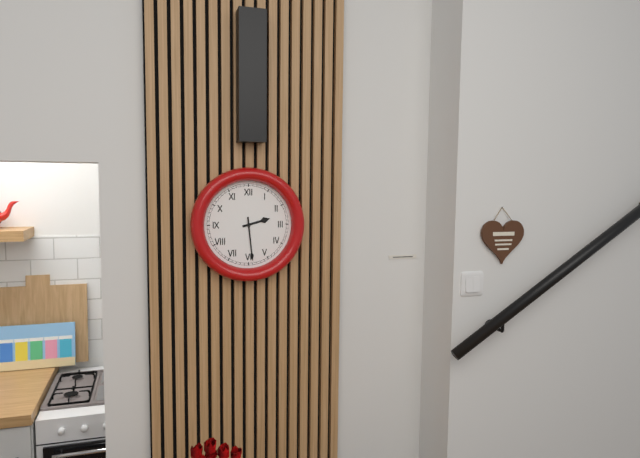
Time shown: h=2 m=29
